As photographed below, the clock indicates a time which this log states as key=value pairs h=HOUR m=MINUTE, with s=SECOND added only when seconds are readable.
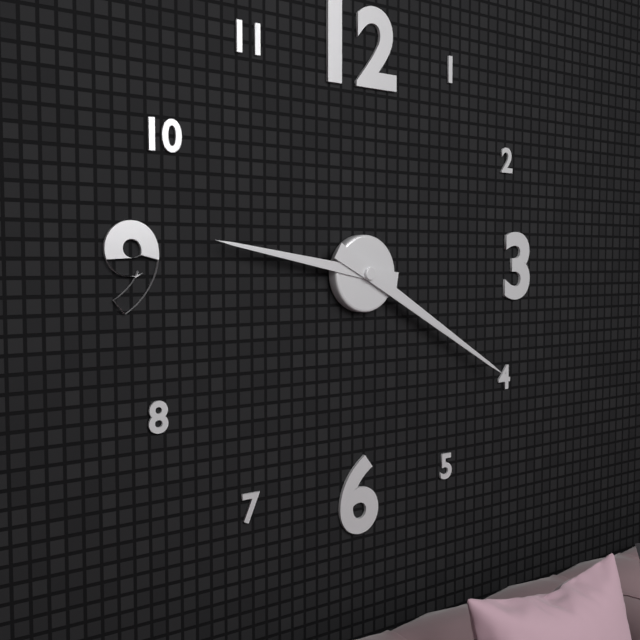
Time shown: h=9 m=20
